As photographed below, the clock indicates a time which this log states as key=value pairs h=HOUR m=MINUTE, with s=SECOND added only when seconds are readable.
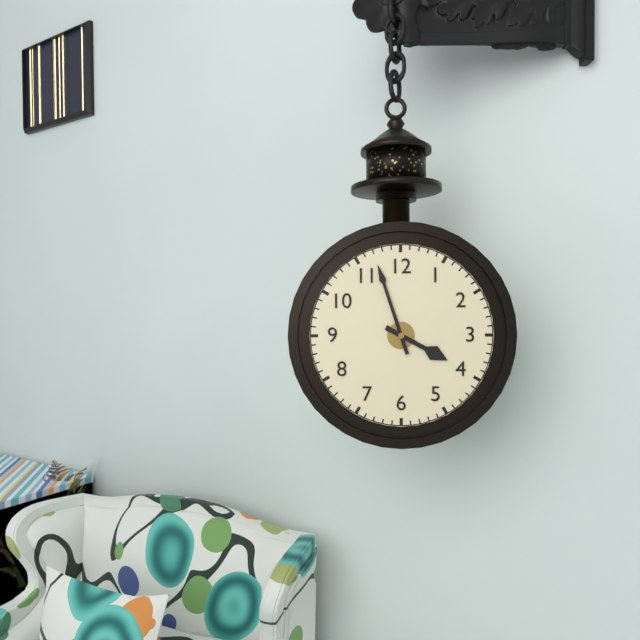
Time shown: h=3 m=57
